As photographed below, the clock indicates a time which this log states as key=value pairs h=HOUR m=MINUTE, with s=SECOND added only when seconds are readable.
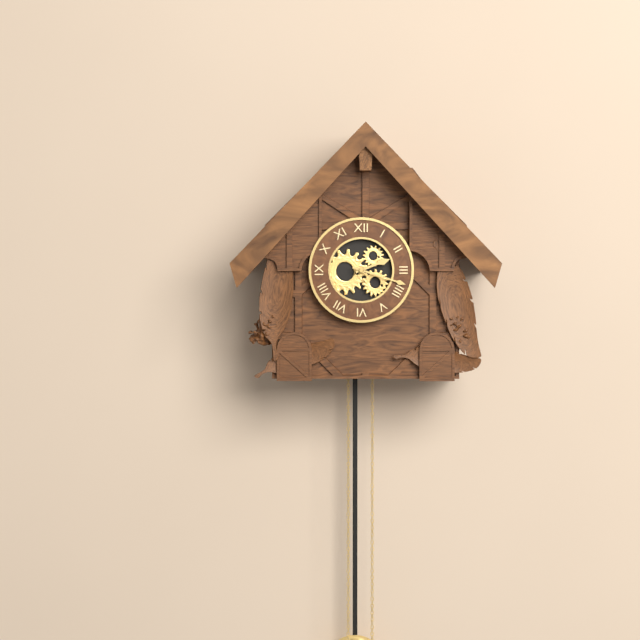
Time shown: h=2 m=18
